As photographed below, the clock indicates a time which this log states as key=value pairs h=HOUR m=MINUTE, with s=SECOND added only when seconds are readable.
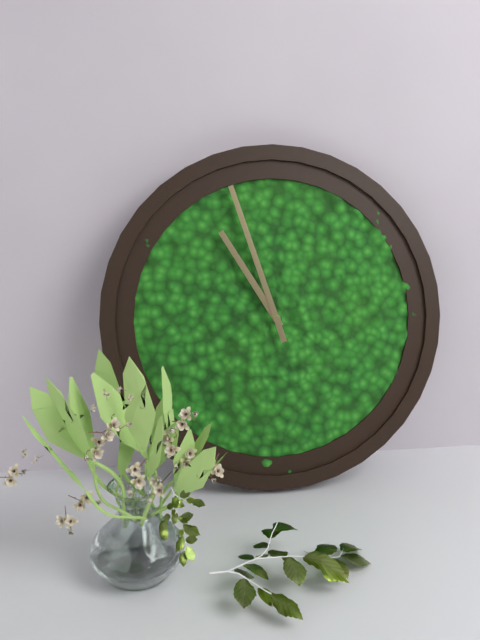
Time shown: h=10 m=57
